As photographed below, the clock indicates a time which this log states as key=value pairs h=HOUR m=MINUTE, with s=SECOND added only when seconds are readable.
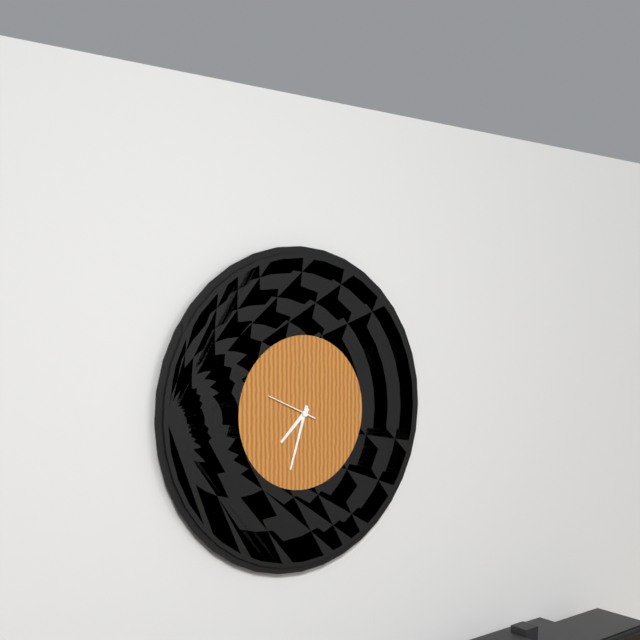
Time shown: h=7 m=33 s=49
